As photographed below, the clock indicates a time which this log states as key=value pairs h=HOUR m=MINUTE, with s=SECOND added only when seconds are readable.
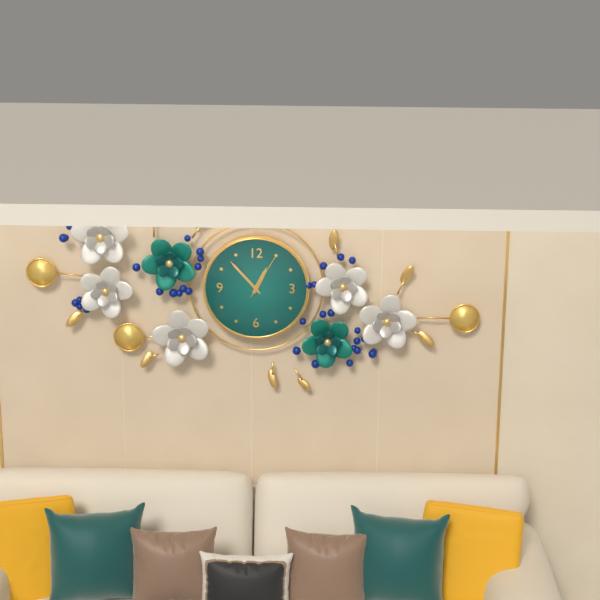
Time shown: h=12 m=53
